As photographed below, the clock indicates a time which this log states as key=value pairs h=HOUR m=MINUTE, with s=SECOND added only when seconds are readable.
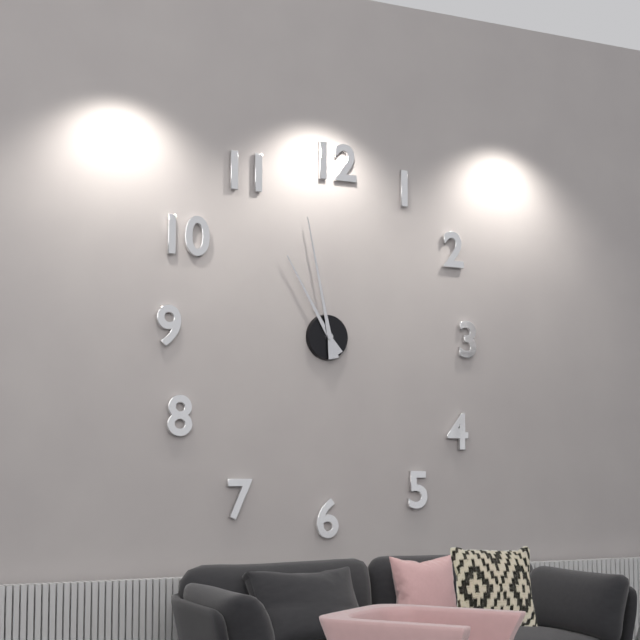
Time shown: h=10 m=58
